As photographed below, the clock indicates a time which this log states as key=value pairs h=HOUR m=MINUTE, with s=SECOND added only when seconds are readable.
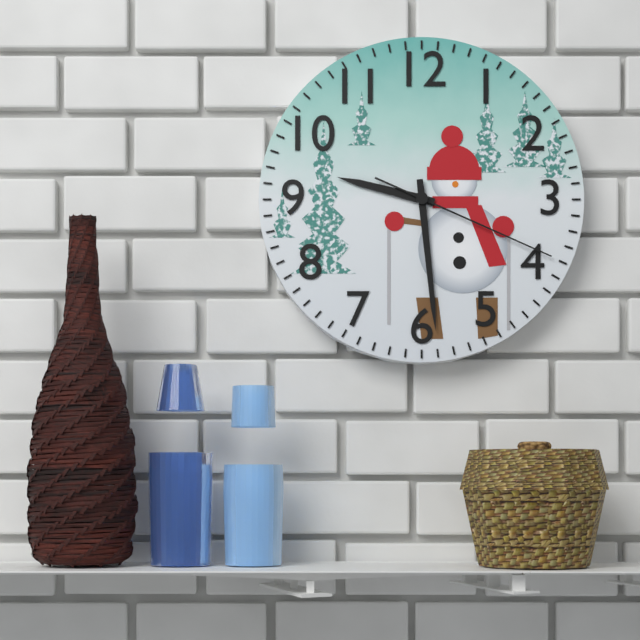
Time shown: h=9 m=29 s=19
